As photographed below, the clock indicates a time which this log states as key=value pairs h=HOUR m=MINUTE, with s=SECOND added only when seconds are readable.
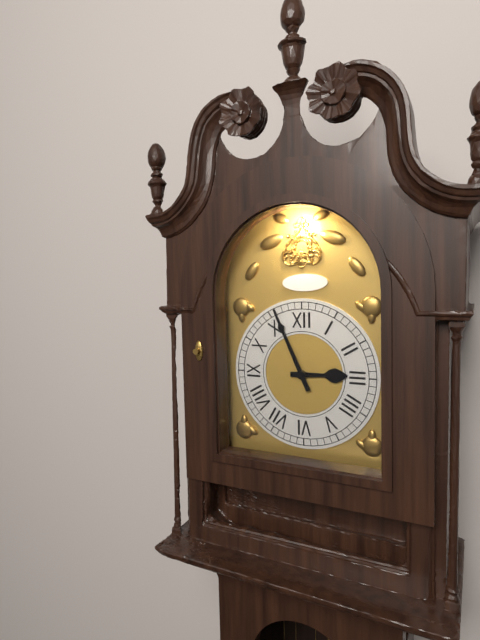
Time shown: h=2 m=56
